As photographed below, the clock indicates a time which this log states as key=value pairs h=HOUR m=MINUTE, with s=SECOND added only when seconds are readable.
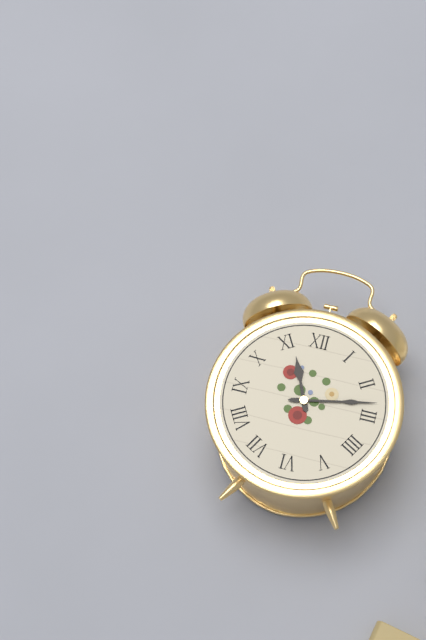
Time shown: h=11 m=13
